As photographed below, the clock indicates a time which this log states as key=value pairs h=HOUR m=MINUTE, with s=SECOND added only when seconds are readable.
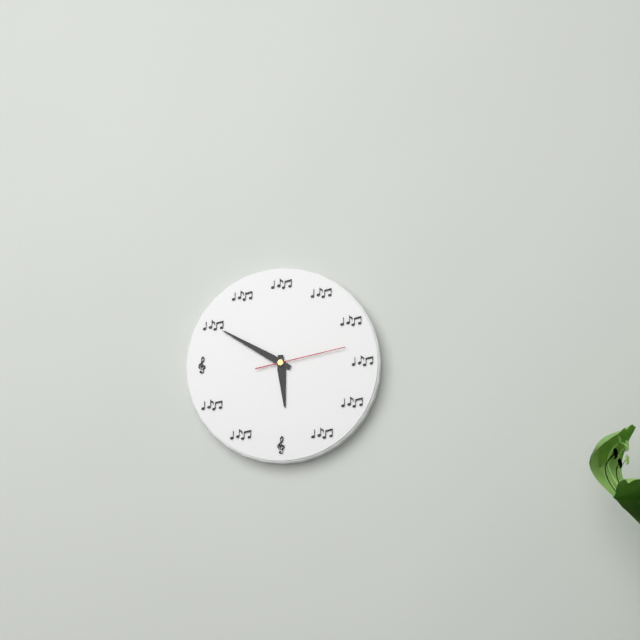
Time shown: h=5 m=50 s=13
